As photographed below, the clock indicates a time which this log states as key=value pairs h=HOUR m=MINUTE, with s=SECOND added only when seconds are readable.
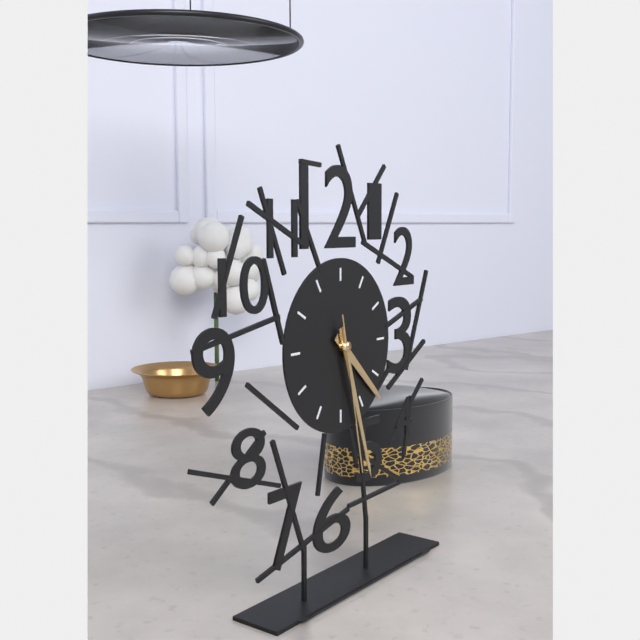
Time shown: h=4 m=27 s=28
